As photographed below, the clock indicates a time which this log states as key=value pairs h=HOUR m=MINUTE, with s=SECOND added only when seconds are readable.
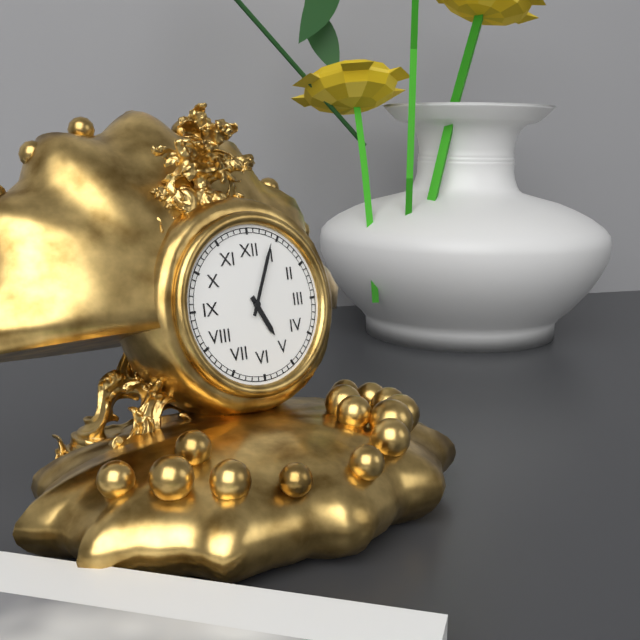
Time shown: h=5 m=4
